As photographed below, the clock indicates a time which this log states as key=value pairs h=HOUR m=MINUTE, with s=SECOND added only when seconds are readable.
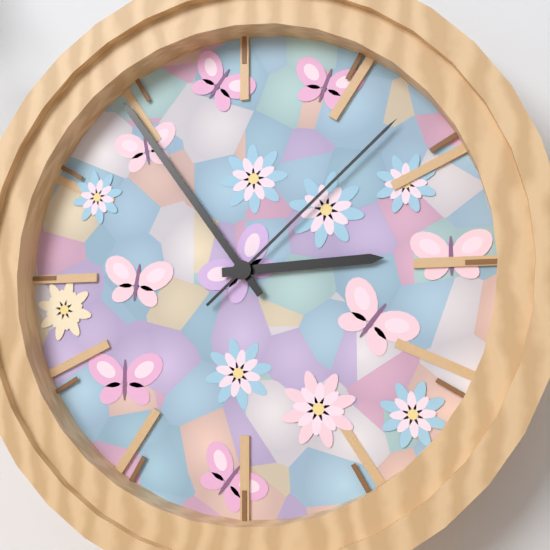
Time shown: h=2 m=54 s=8
